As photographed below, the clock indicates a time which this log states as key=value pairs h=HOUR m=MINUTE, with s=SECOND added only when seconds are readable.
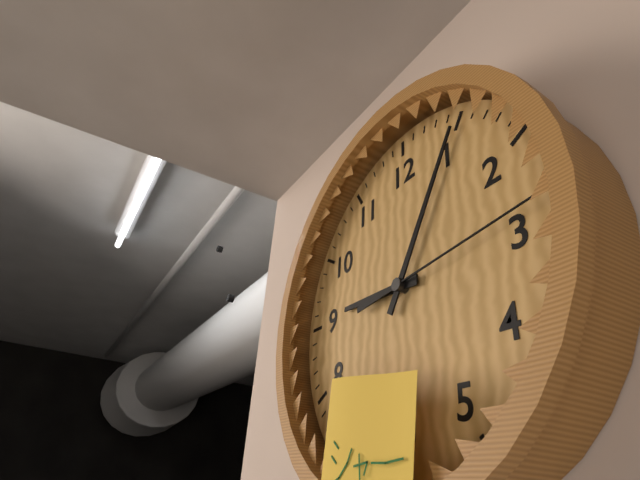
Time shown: h=9 m=5 s=14
